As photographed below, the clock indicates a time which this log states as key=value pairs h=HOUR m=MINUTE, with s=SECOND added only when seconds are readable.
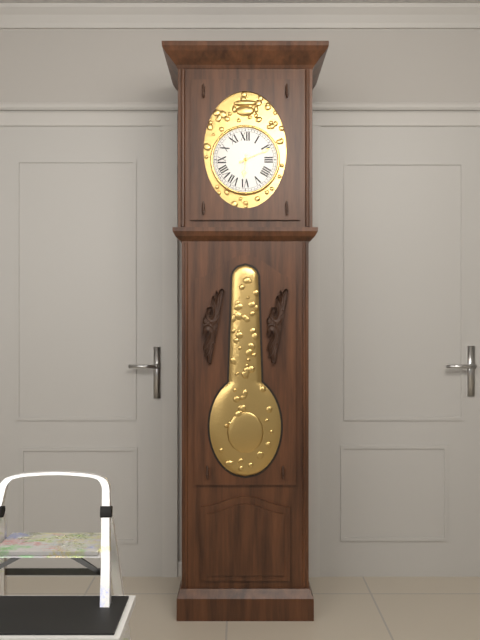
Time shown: h=6 m=11
